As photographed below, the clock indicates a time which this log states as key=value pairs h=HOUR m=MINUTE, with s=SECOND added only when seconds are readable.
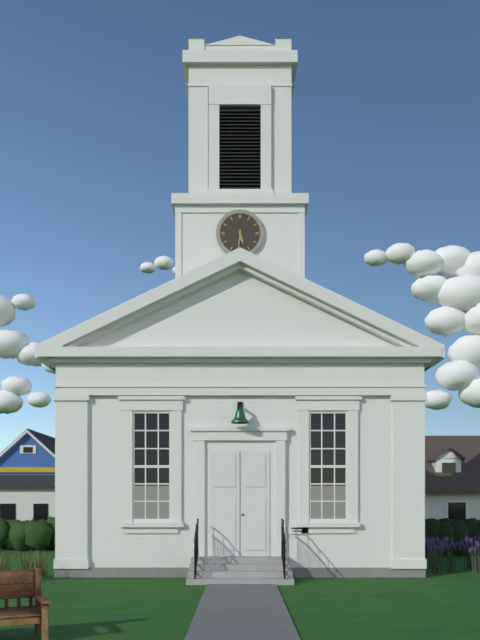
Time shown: h=5 m=31
